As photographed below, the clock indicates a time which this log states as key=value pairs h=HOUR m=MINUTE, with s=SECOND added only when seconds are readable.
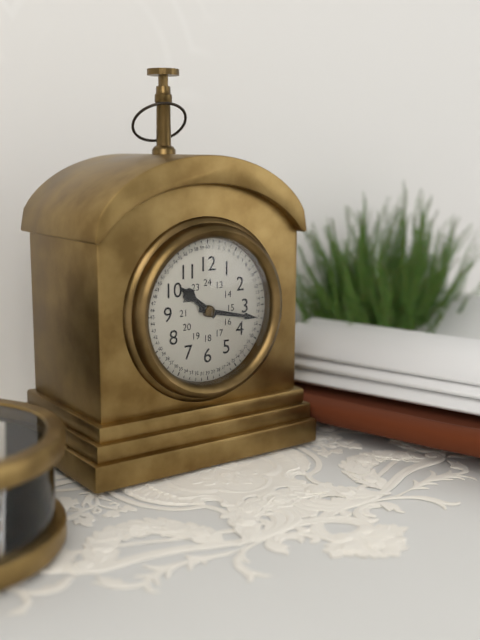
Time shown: h=10 m=17
